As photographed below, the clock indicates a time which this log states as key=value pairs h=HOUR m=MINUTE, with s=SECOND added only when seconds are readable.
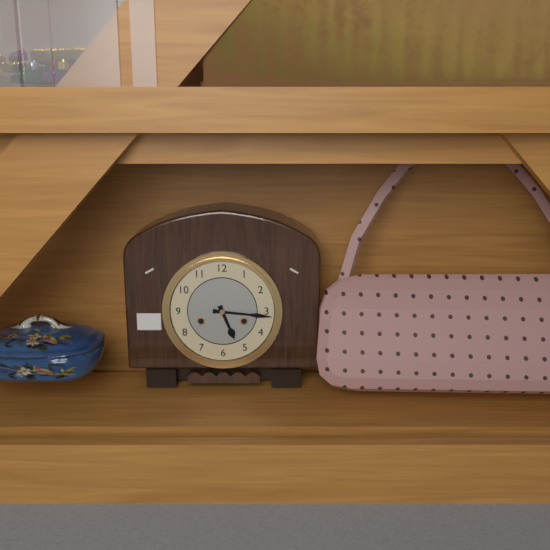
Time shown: h=5 m=16
